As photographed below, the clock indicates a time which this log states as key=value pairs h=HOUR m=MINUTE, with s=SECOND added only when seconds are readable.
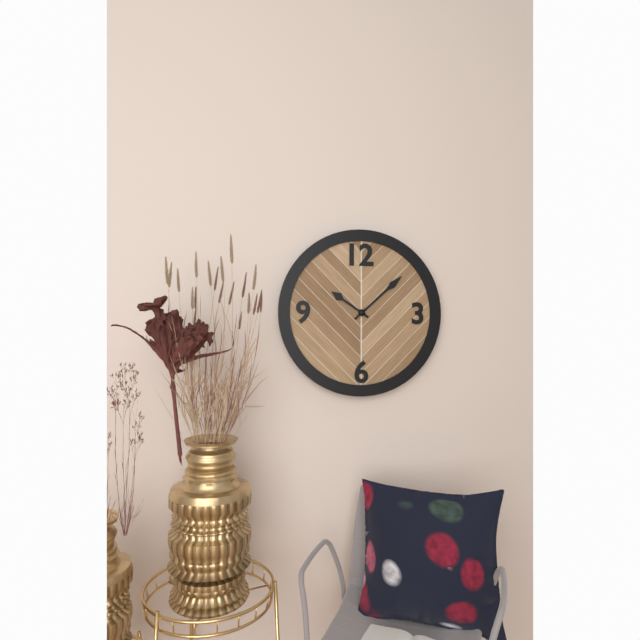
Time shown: h=10 m=8
